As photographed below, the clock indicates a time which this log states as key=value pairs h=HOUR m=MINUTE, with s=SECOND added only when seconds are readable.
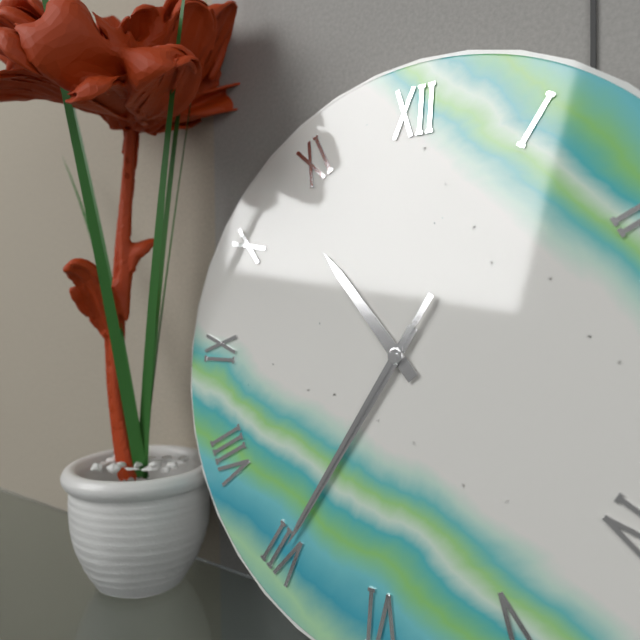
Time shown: h=10 m=35 s=35
